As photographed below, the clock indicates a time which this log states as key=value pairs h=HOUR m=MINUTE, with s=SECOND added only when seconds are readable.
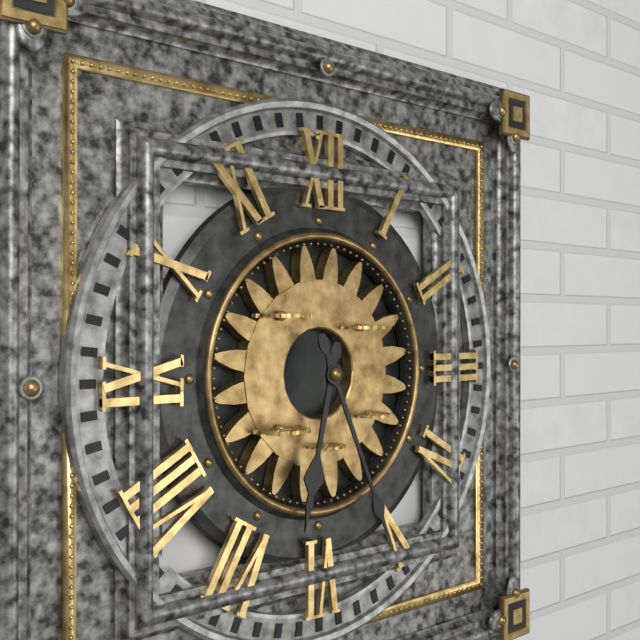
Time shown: h=6 m=26
